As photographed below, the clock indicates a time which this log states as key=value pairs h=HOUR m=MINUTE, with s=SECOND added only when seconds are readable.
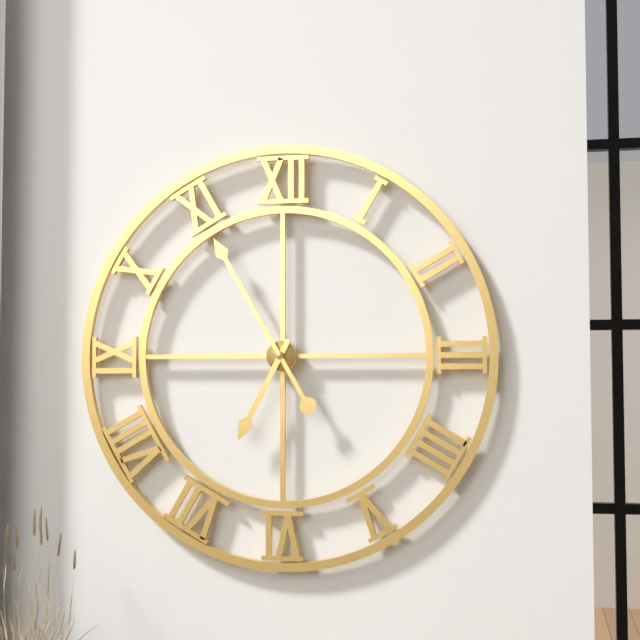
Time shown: h=6 m=55
